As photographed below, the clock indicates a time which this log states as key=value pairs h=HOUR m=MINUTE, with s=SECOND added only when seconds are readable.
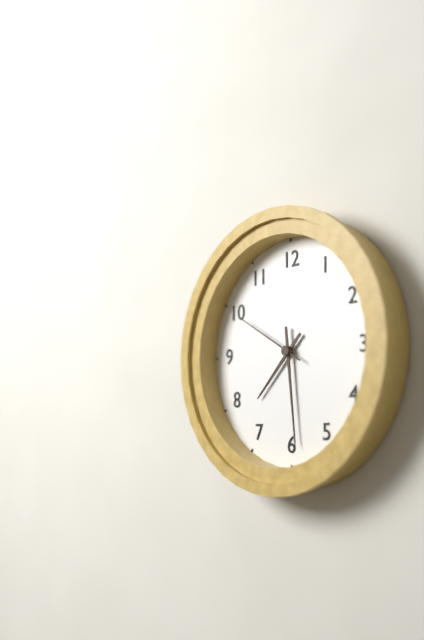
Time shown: h=7 m=29 s=50
